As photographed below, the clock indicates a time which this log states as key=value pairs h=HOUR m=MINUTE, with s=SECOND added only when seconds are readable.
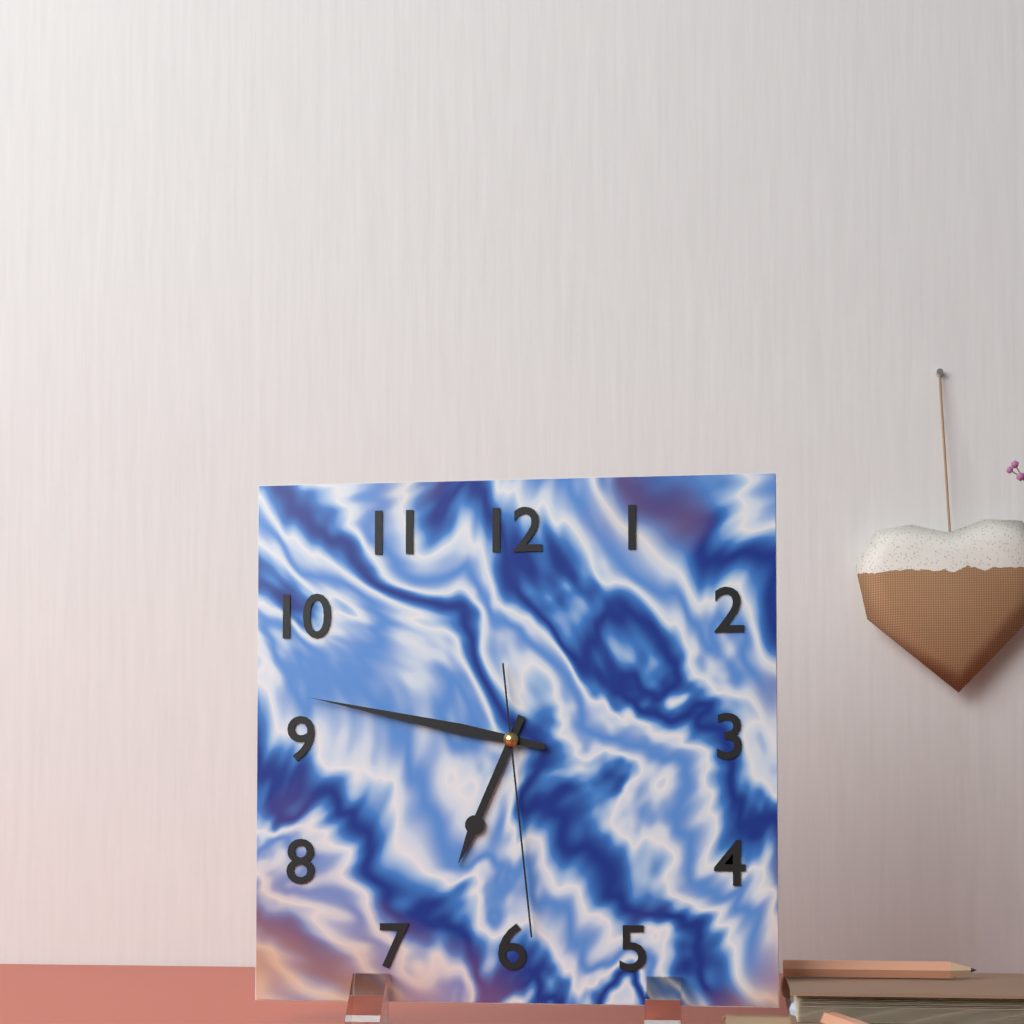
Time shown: h=6 m=47 s=29
